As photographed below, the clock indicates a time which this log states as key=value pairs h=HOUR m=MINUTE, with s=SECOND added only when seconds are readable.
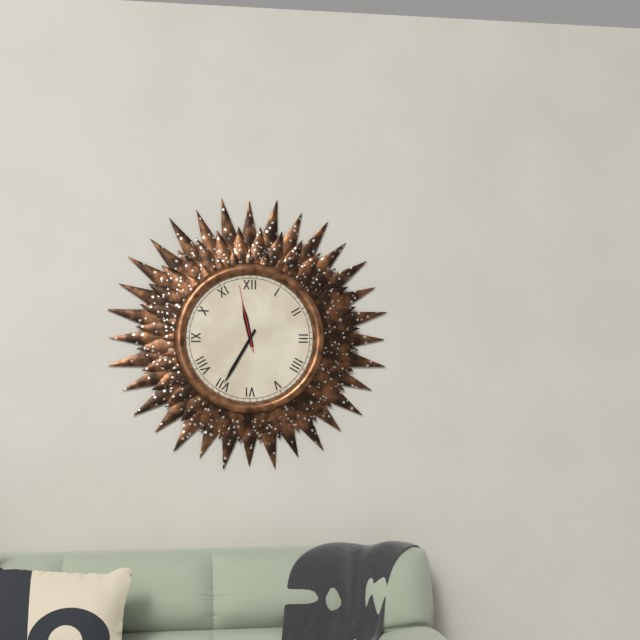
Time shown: h=11 m=35 s=58
